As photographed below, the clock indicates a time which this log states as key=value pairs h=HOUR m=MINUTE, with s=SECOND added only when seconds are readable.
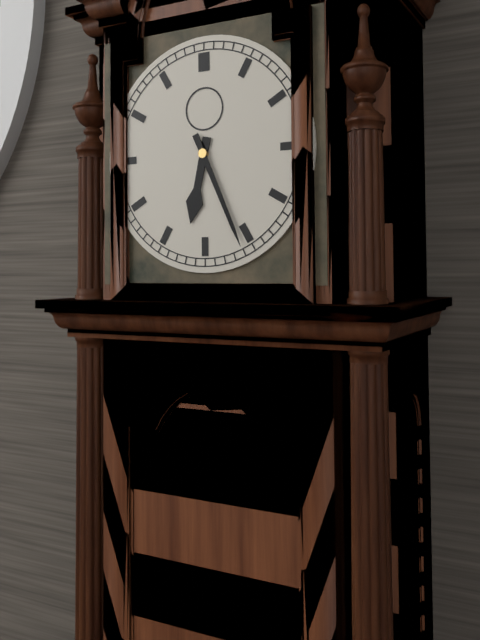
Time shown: h=6 m=26
